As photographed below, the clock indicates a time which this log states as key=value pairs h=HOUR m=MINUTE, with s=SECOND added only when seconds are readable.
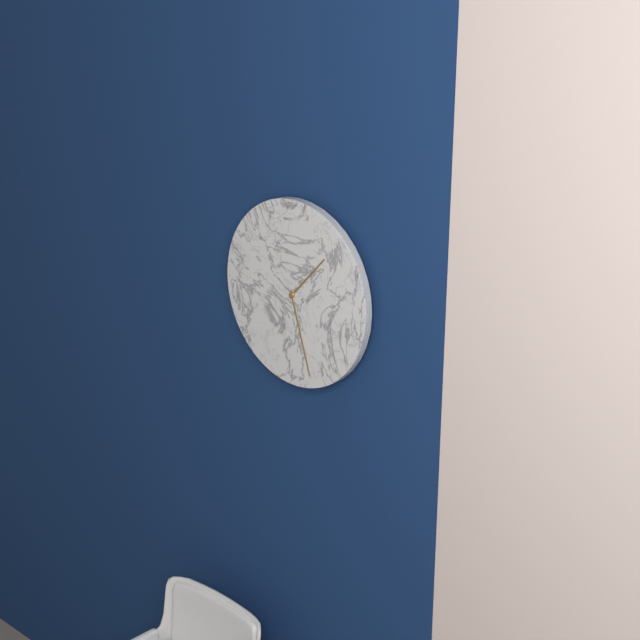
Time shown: h=1 m=27
